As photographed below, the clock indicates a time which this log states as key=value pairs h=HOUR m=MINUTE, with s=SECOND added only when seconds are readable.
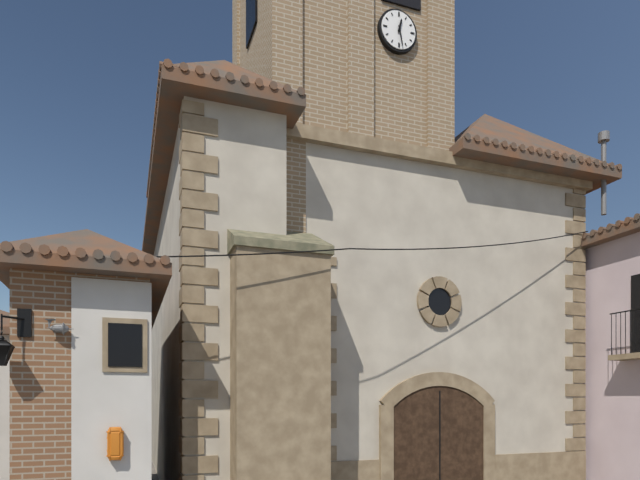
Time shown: h=12 m=28
